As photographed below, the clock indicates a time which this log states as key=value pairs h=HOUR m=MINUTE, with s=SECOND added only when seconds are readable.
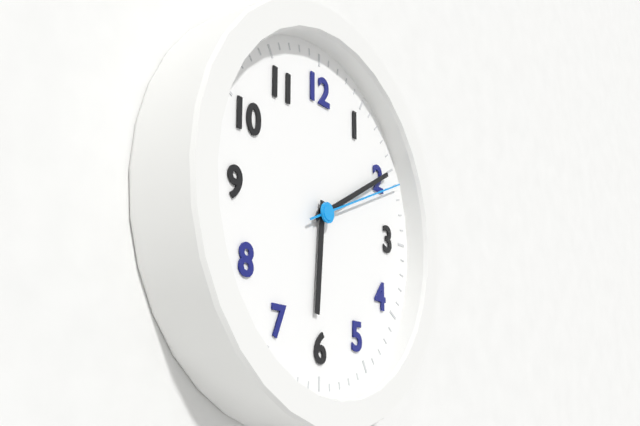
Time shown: h=6 m=10 s=11
